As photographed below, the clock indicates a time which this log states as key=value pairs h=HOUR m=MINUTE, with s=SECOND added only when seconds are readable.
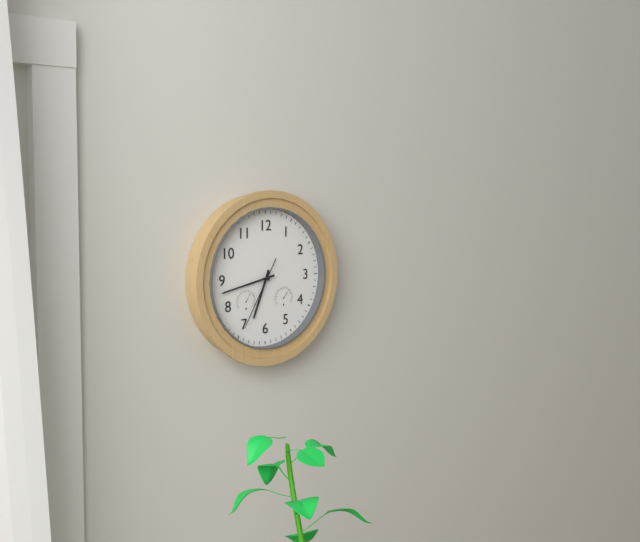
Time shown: h=6 m=43 s=35
